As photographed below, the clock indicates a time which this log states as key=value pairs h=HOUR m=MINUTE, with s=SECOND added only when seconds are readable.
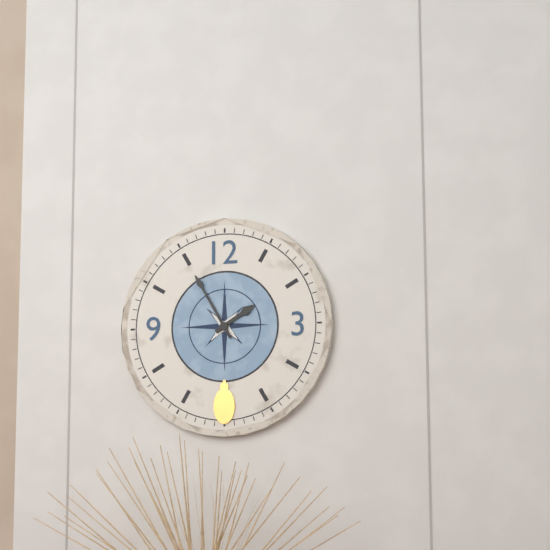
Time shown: h=1 m=55
